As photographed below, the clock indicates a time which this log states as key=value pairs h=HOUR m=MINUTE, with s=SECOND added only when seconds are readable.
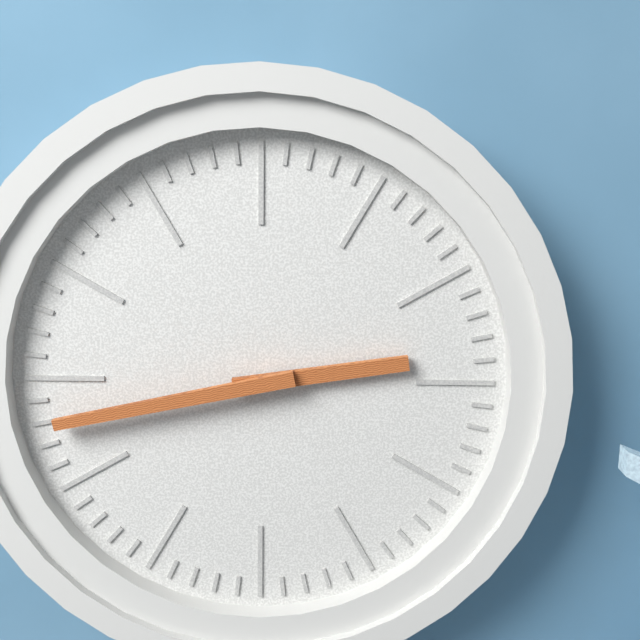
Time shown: h=2 m=43
